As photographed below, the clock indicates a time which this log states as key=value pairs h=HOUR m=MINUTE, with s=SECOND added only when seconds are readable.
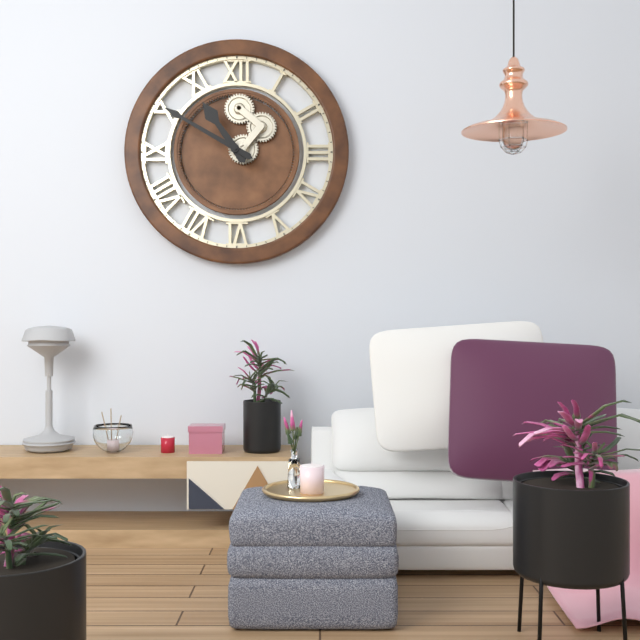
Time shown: h=10 m=50
